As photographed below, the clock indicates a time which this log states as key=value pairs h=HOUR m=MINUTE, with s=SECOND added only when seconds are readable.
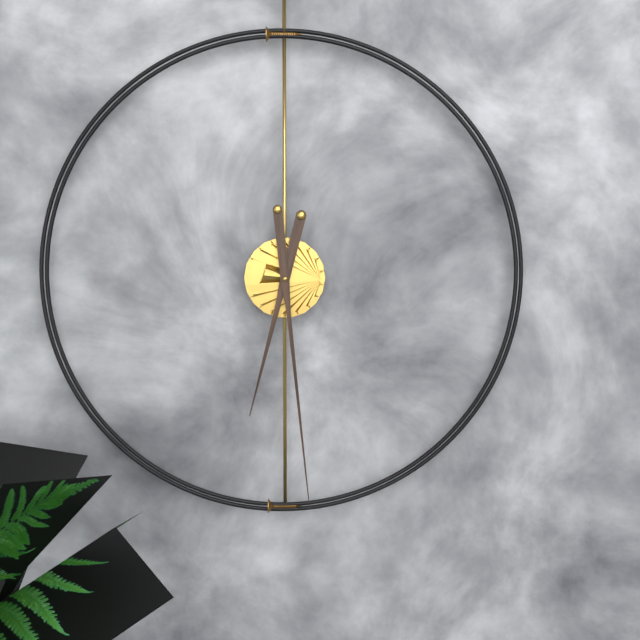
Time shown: h=6 m=29
